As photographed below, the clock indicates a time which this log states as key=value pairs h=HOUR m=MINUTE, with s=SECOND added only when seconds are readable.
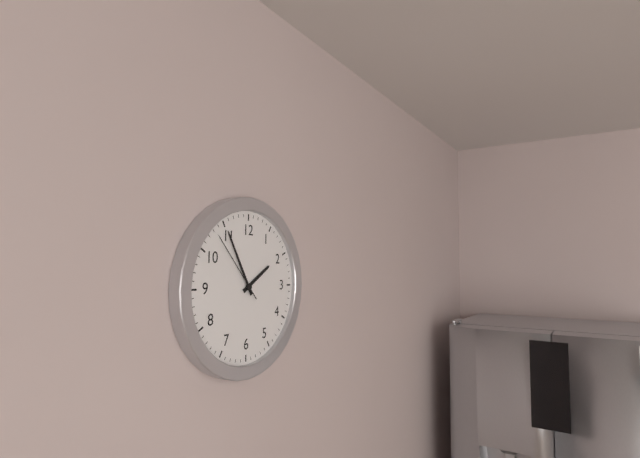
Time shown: h=1 m=55 s=53
